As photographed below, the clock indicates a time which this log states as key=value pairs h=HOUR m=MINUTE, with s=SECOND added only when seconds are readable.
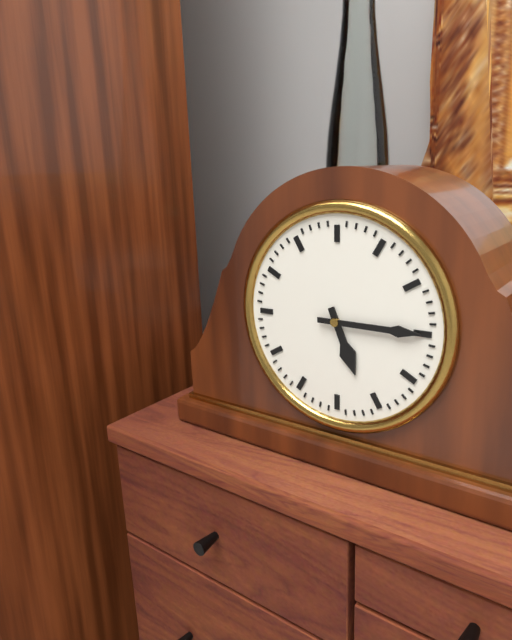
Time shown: h=5 m=15
